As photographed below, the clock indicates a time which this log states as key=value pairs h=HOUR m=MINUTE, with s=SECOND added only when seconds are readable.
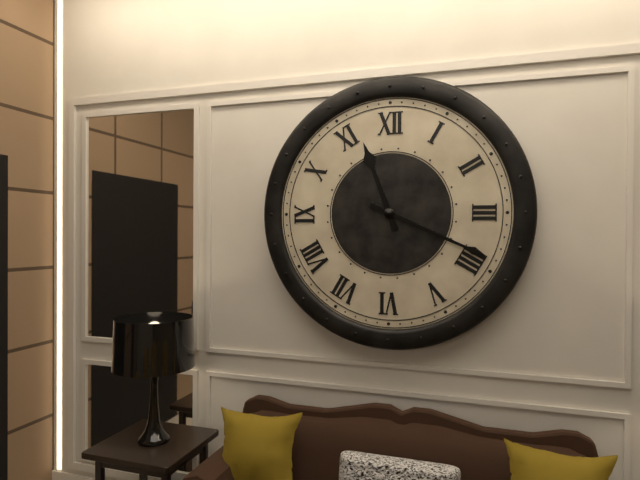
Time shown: h=11 m=19
